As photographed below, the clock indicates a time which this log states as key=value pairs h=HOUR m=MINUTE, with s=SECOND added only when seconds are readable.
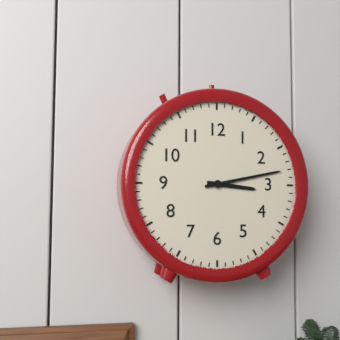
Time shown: h=3 m=13
